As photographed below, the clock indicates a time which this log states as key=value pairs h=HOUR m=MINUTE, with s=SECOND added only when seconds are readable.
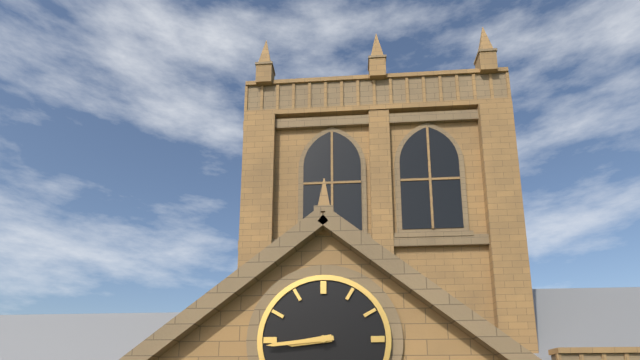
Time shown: h=8 m=44
